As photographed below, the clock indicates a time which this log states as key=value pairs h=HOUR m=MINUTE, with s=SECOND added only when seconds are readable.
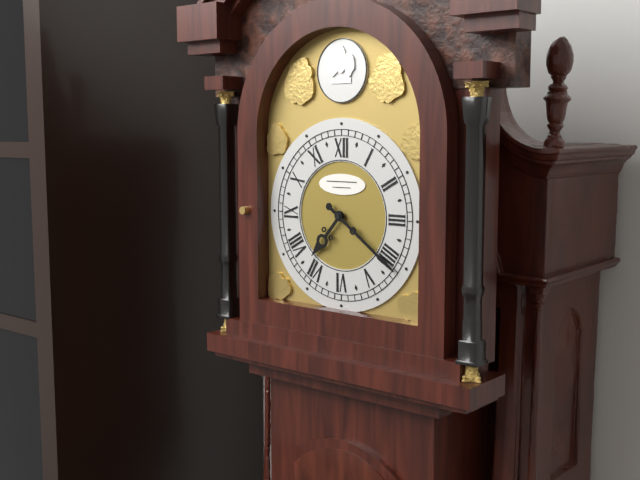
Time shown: h=7 m=21
